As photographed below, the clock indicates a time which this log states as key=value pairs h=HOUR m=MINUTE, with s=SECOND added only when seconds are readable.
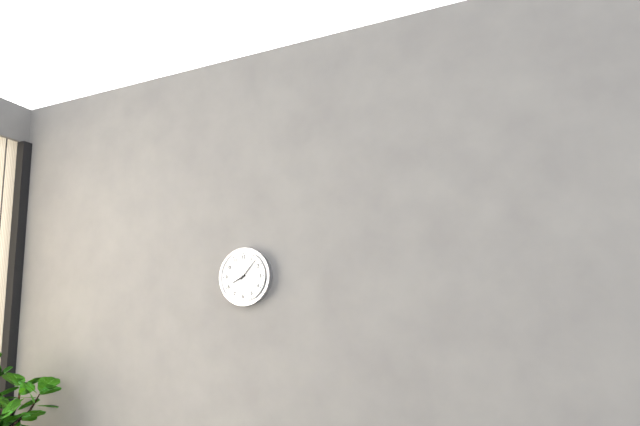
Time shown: h=8 m=7
